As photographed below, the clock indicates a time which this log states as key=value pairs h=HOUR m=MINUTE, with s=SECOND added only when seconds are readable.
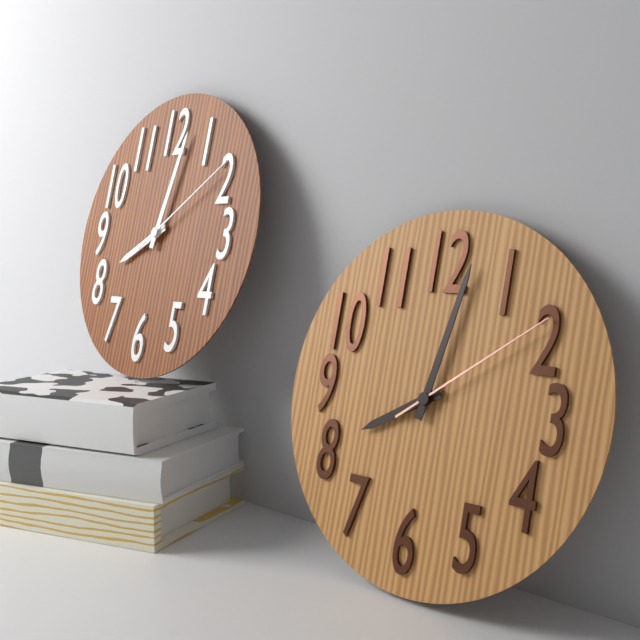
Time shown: h=8 m=2 s=9
